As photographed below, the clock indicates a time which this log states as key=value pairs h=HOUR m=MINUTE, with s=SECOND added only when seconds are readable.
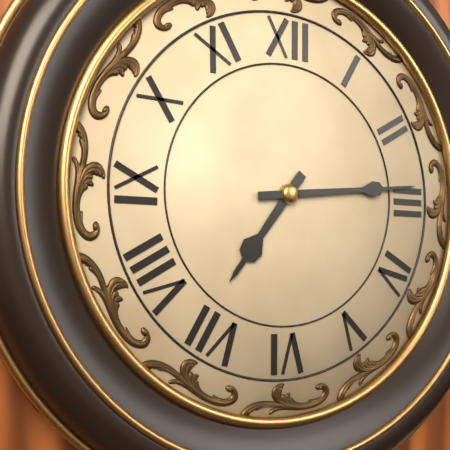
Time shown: h=7 m=14
